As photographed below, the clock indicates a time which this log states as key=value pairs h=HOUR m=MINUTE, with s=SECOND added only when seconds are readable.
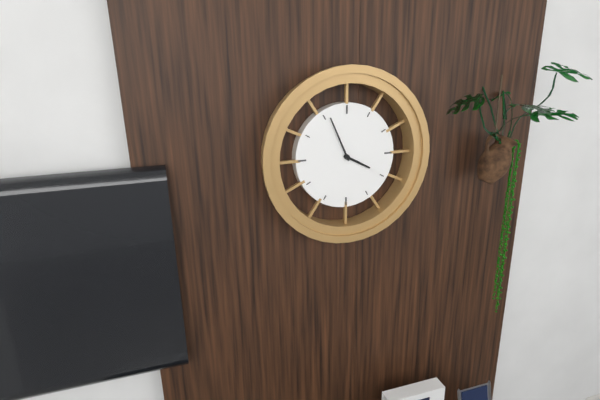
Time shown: h=3 m=56
